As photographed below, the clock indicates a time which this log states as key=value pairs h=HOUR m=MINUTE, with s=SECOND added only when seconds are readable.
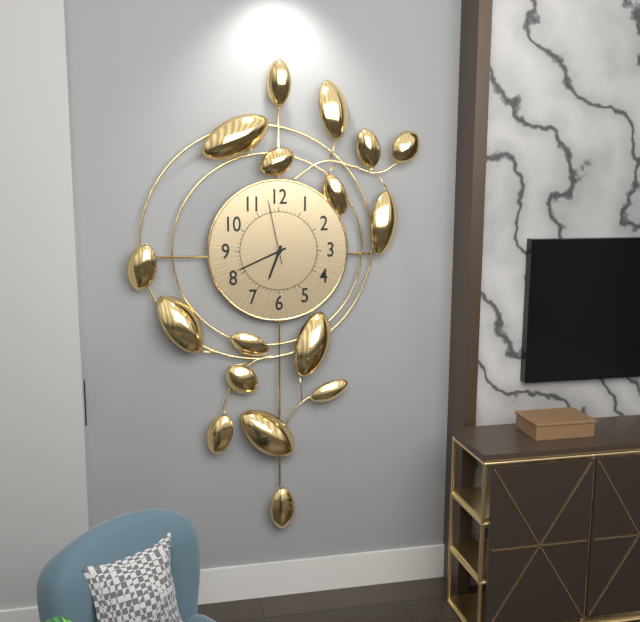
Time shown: h=6 m=41 s=58
